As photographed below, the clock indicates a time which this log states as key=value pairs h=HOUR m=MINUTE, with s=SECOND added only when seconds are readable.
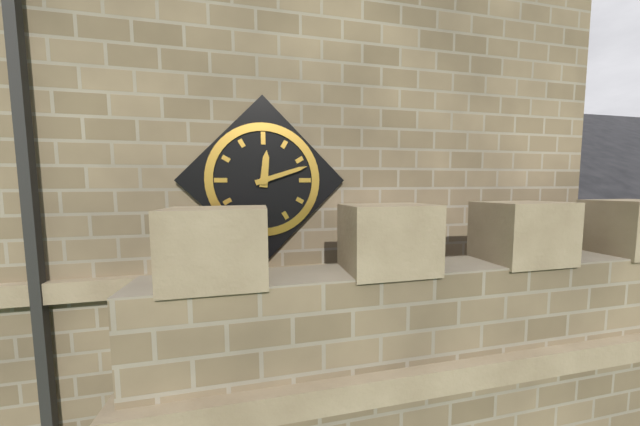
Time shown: h=12 m=12
